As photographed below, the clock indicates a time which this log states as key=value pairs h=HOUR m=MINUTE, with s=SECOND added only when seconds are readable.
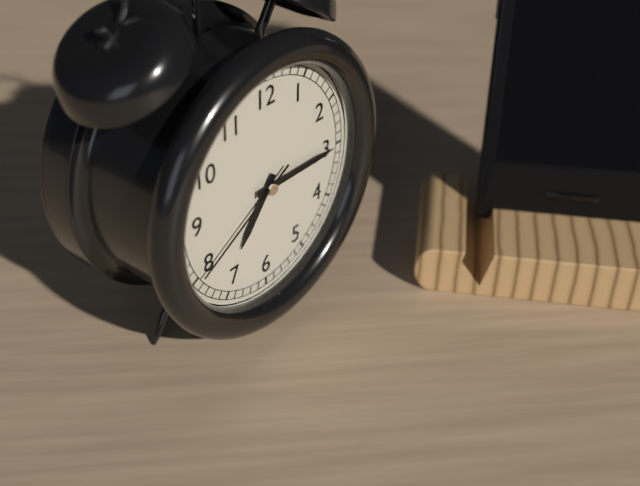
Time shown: h=7 m=15 s=40
